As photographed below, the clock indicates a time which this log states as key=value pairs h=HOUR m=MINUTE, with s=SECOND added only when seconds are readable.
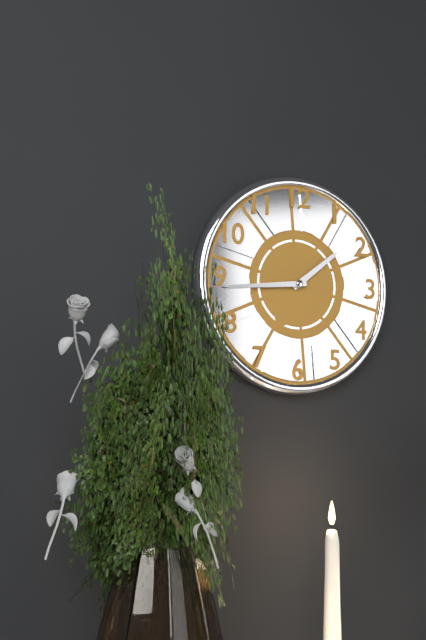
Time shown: h=1 m=44
